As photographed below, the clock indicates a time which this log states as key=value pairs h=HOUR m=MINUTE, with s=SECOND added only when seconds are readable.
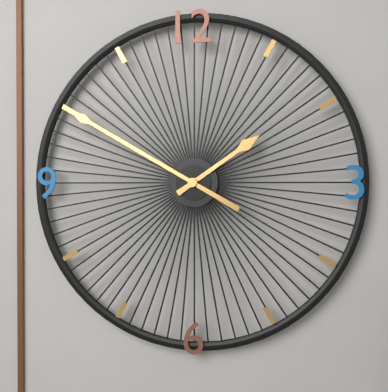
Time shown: h=1 m=50
